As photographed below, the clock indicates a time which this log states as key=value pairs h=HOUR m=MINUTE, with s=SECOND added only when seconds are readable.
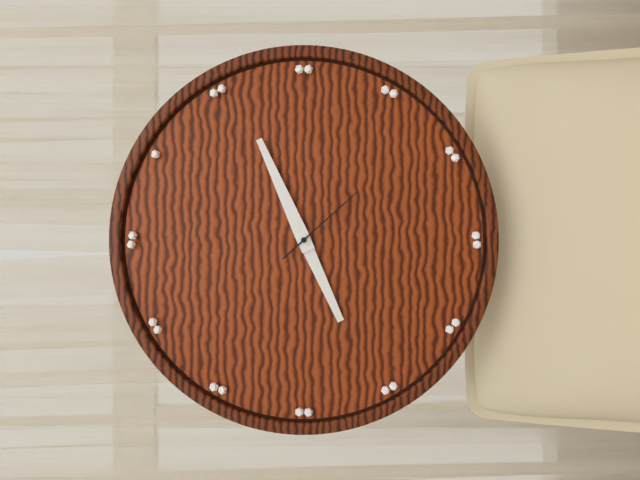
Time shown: h=8 m=11 s=23
